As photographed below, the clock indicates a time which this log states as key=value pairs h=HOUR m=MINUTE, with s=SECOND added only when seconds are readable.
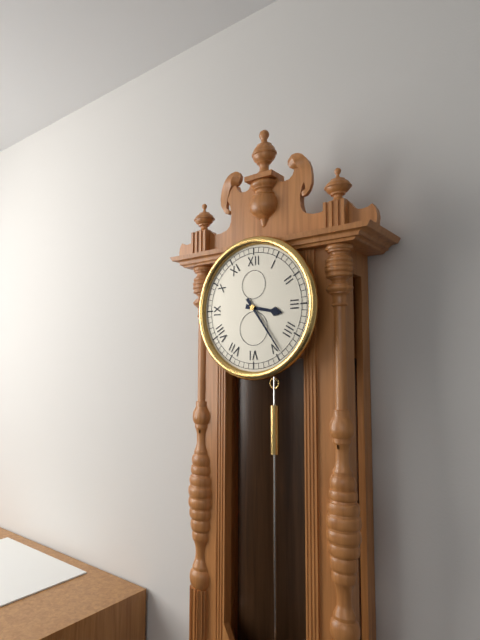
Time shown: h=3 m=24
